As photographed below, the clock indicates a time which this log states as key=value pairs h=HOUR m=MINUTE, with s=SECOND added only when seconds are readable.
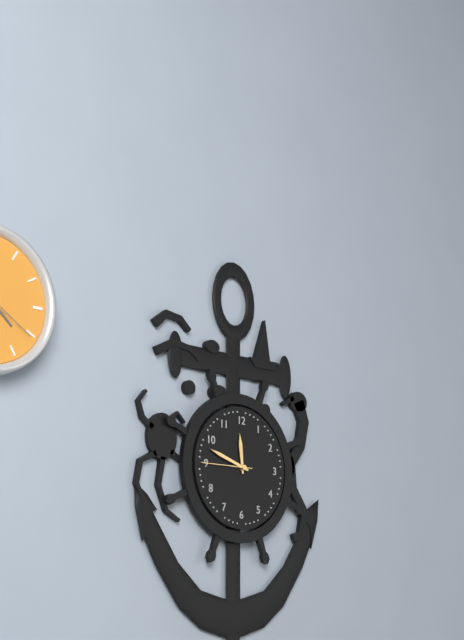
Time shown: h=11 m=48
